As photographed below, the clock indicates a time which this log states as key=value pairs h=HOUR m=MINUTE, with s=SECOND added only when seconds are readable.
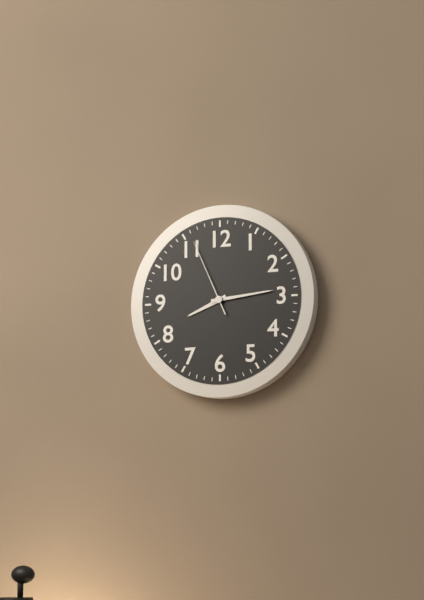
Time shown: h=8 m=14 s=56
